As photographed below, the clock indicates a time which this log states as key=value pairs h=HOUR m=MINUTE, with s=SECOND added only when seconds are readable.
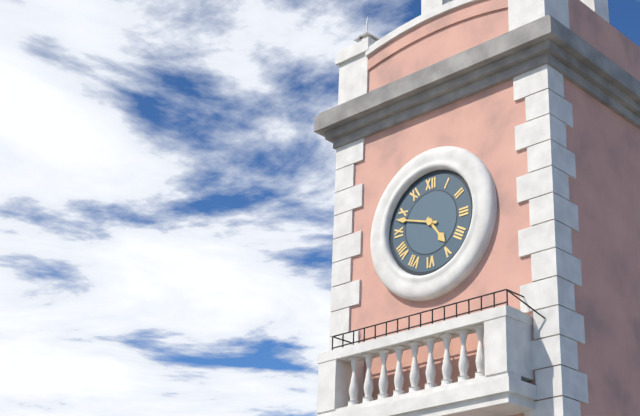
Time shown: h=4 m=48
